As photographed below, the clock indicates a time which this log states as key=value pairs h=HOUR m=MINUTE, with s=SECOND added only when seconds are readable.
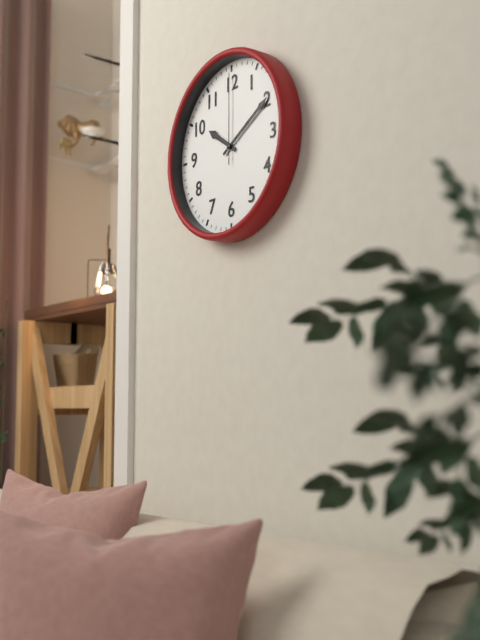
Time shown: h=10 m=10 s=0
